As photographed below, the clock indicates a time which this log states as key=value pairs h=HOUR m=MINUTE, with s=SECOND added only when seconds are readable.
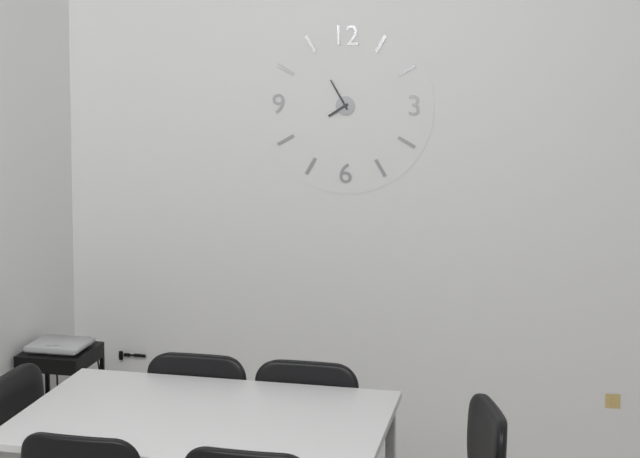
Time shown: h=7 m=55
